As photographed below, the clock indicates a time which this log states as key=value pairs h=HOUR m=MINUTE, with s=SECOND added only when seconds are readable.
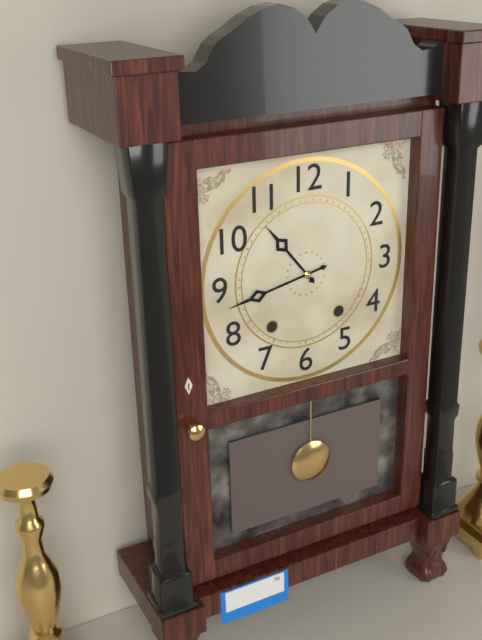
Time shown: h=10 m=43
